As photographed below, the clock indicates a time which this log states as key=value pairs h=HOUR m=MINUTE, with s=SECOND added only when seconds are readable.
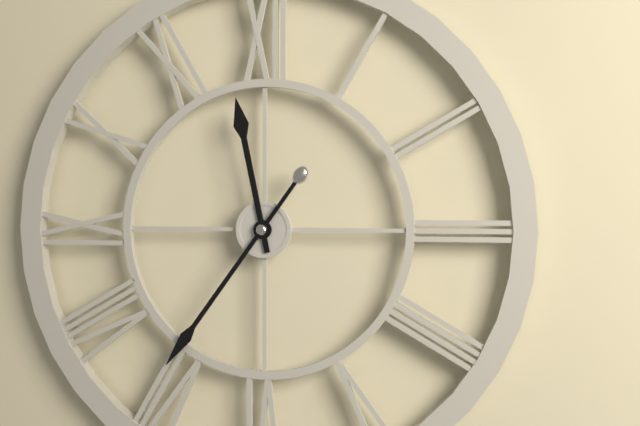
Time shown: h=11 m=36
